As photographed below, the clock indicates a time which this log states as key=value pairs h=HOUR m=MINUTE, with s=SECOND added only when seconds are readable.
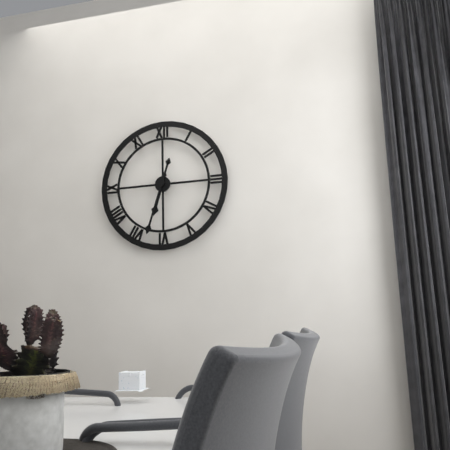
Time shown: h=6 m=33
